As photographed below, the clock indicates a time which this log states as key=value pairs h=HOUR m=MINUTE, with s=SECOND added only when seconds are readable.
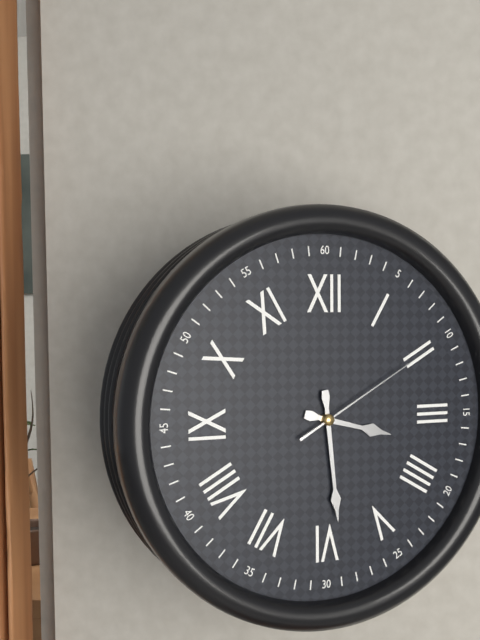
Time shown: h=3 m=29 s=10
